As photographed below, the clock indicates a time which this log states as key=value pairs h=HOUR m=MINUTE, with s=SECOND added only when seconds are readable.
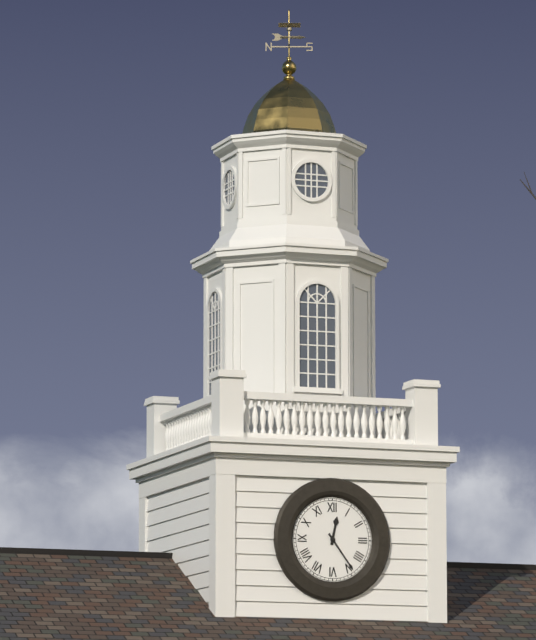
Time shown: h=12 m=24
